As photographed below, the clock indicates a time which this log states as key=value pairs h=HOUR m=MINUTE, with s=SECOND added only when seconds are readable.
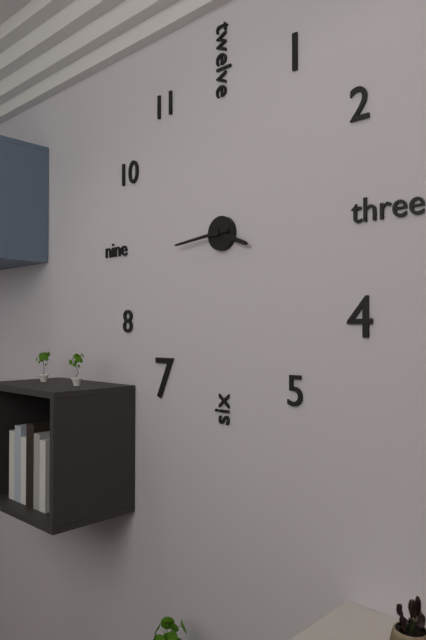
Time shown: h=3 m=44
